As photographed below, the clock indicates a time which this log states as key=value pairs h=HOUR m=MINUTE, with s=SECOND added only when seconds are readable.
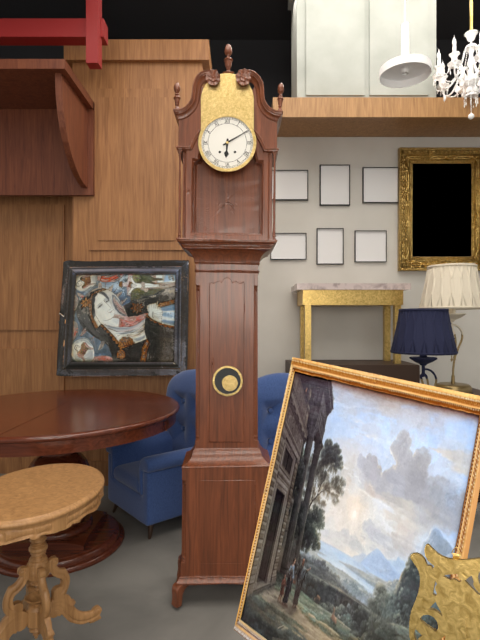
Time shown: h=6 m=10
